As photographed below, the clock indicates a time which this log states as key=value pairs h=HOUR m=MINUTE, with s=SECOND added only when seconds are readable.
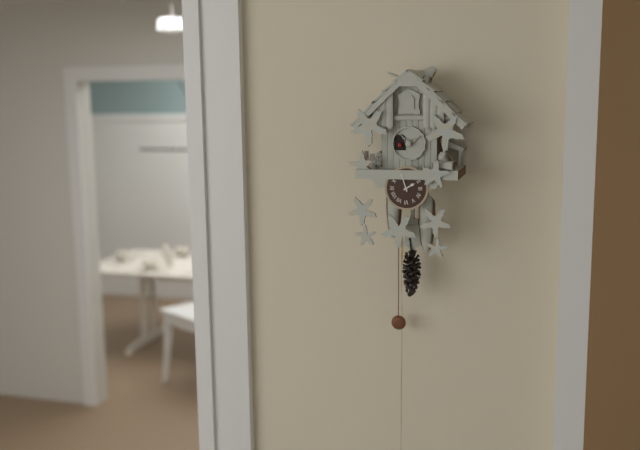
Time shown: h=1 m=57
